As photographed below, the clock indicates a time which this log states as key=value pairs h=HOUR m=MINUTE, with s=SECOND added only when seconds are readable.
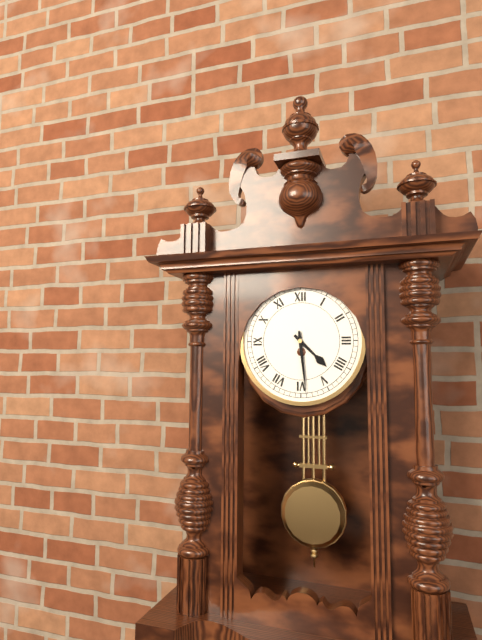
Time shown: h=4 m=29
